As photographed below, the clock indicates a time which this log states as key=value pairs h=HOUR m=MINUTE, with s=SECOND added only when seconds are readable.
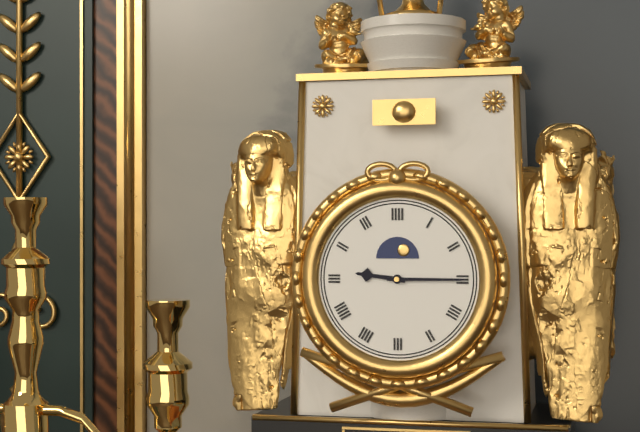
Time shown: h=9 m=15
